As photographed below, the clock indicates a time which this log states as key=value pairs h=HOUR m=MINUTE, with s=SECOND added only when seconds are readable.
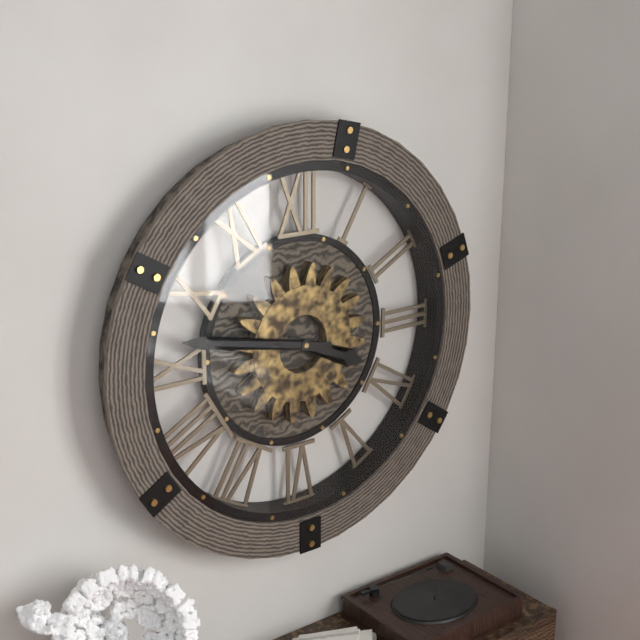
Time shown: h=3 m=47
